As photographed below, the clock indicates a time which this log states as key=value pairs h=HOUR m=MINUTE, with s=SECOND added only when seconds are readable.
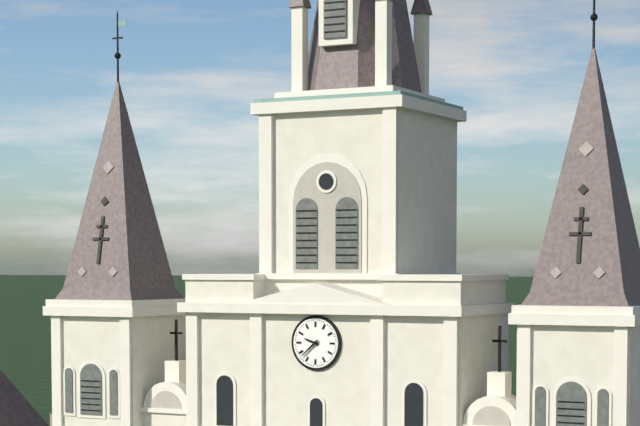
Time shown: h=9 m=38
